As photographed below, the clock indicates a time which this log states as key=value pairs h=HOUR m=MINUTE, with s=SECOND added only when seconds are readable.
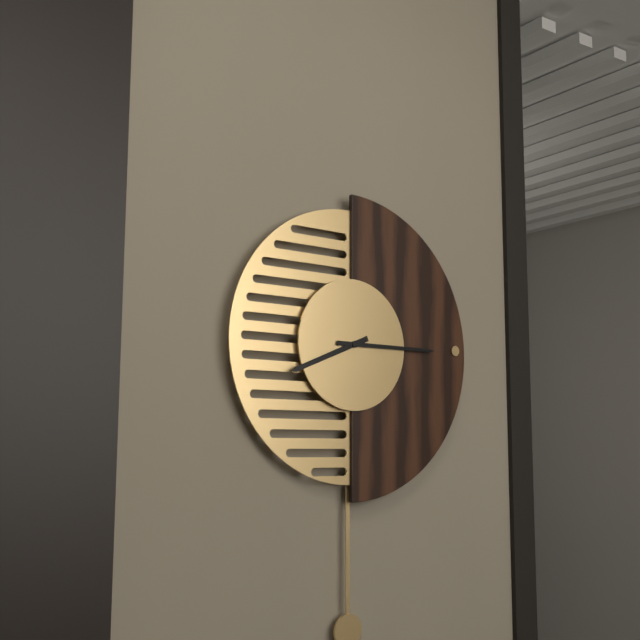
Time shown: h=8 m=15
